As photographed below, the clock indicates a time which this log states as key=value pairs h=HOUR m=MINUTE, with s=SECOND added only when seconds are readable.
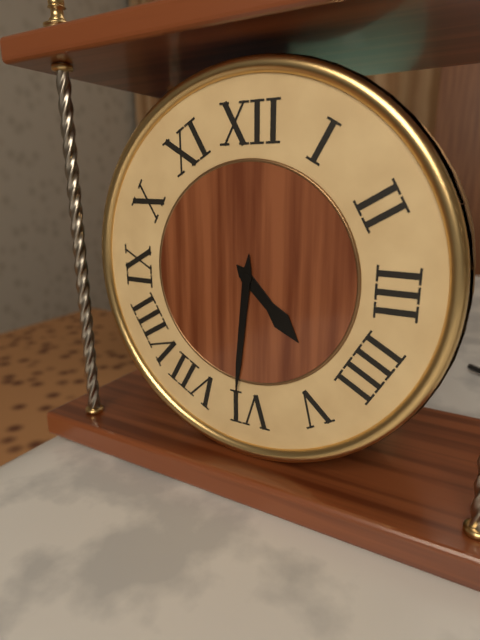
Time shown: h=4 m=31
